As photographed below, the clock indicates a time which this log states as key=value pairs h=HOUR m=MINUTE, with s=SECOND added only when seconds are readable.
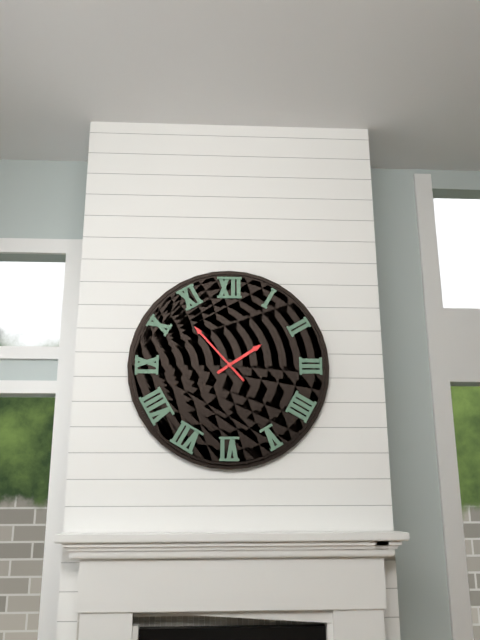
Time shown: h=1 m=53
